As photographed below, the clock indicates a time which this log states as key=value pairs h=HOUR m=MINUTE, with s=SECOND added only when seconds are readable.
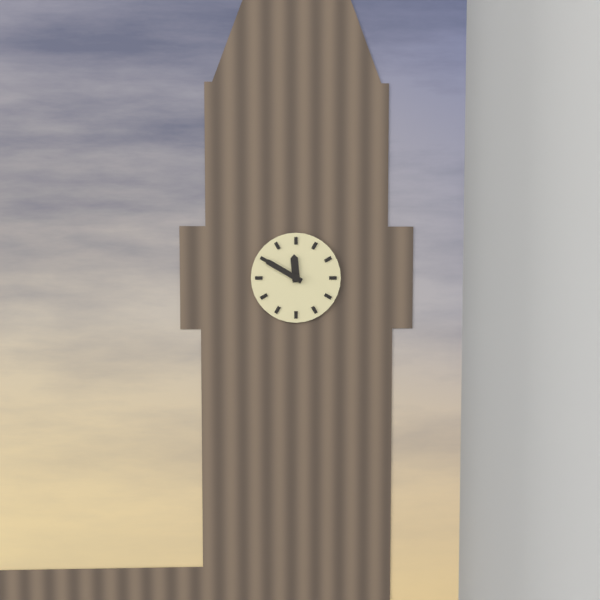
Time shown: h=11 m=50
